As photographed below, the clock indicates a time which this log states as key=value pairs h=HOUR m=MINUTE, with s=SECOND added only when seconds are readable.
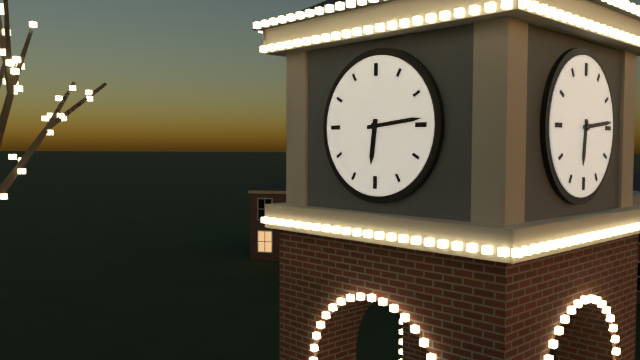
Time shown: h=6 m=14
